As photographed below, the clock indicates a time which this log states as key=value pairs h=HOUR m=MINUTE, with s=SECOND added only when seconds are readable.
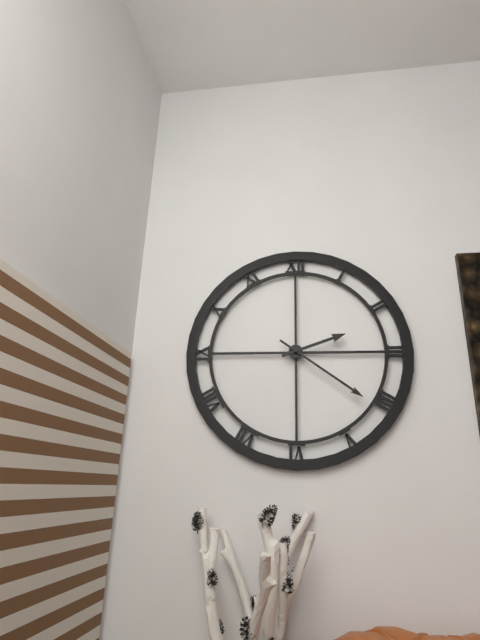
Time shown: h=2 m=21
